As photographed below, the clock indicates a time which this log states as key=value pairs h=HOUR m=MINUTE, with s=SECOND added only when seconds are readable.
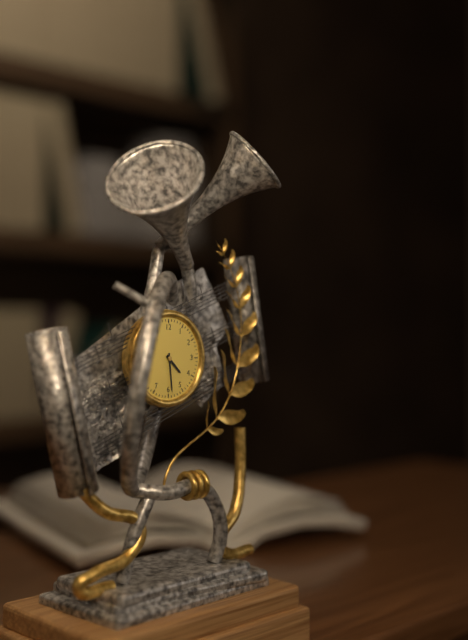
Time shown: h=4 m=29
